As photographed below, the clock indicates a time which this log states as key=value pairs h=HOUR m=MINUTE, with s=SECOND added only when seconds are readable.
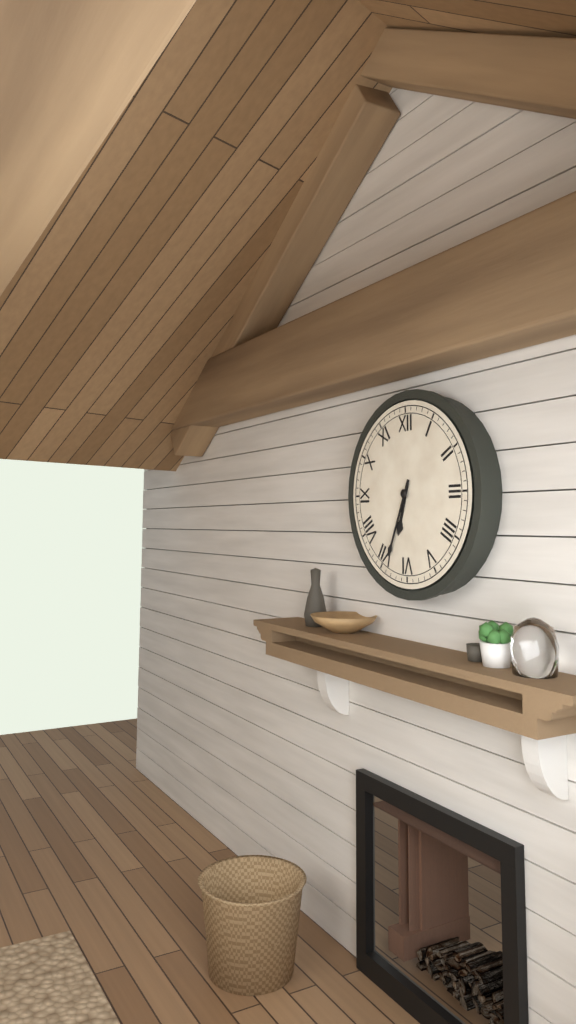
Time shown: h=6 m=34
